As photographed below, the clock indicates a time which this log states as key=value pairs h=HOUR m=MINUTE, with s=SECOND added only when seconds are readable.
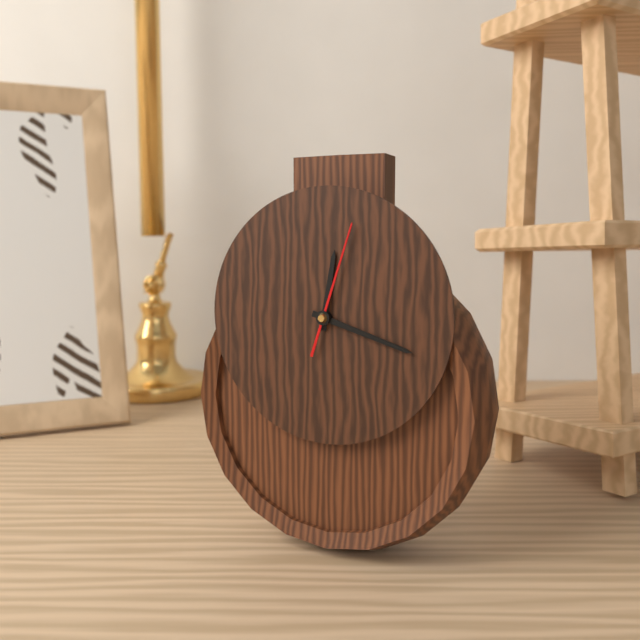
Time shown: h=12 m=18 s=3
